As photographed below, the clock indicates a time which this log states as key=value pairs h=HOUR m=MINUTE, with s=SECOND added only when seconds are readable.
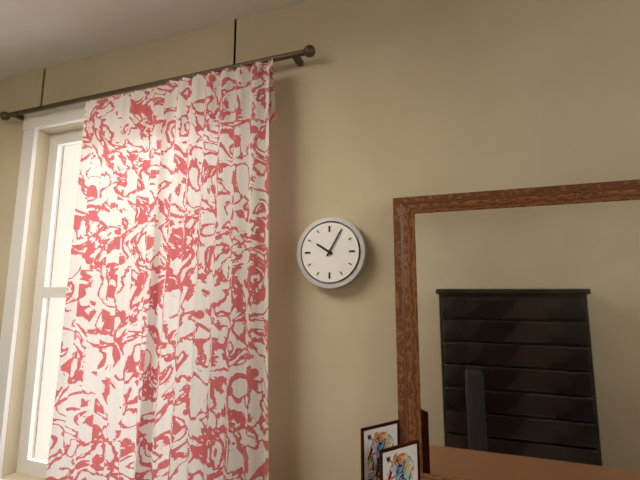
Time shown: h=10 m=5
